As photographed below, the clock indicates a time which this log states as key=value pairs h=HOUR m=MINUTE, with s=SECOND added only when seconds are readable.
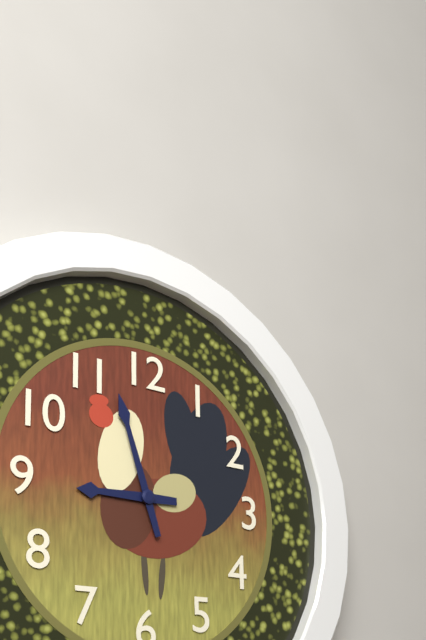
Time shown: h=8 m=57
